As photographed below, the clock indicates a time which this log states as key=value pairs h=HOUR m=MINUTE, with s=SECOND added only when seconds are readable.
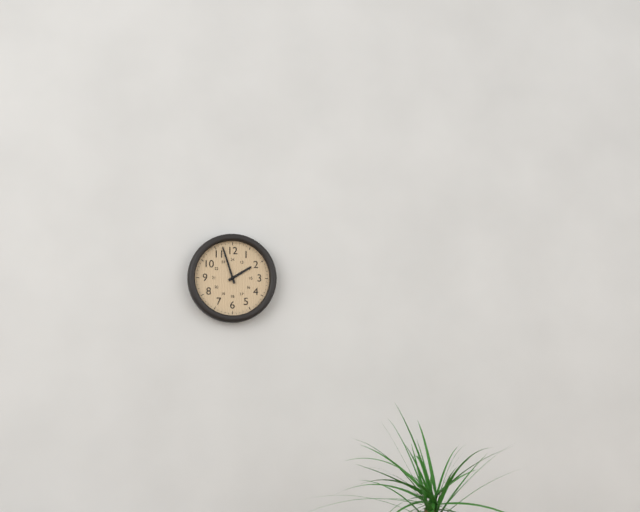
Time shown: h=1 m=57
